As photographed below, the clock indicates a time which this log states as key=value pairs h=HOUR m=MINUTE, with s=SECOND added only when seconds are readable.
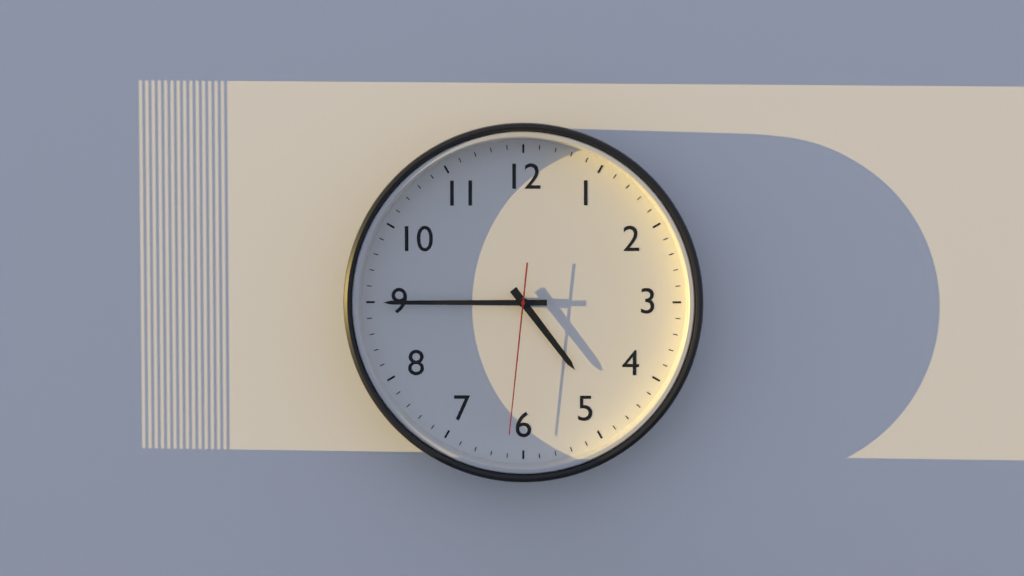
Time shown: h=4 m=45 s=31
